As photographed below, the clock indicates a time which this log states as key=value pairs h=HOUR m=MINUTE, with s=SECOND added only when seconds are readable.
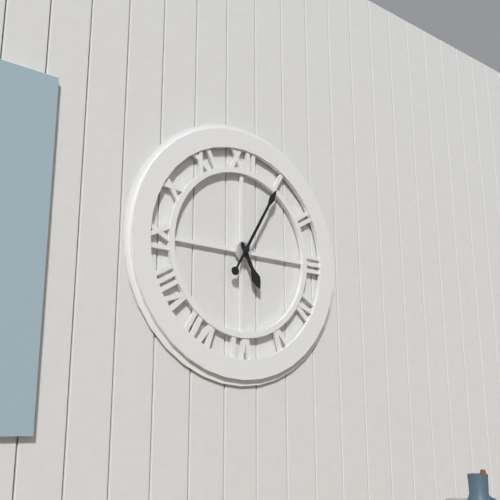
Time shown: h=5 m=5
